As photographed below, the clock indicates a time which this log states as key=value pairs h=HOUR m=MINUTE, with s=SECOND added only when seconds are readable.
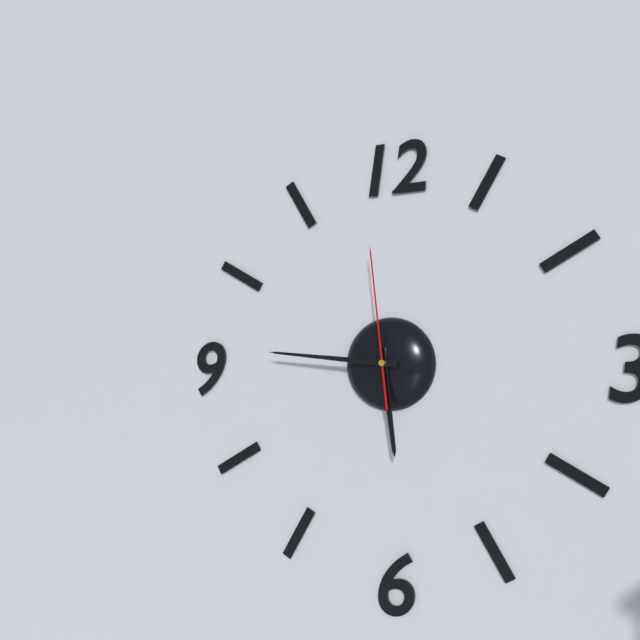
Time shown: h=5 m=46 s=59
